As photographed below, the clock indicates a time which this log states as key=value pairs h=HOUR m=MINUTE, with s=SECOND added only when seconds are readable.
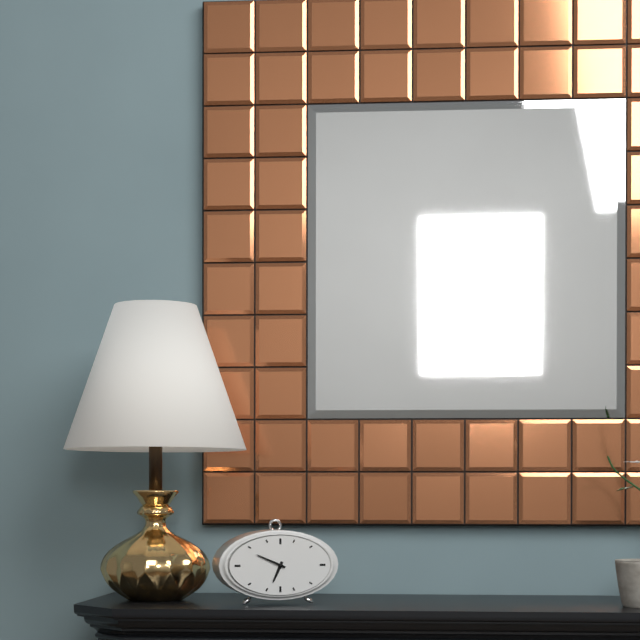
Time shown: h=6 m=49
